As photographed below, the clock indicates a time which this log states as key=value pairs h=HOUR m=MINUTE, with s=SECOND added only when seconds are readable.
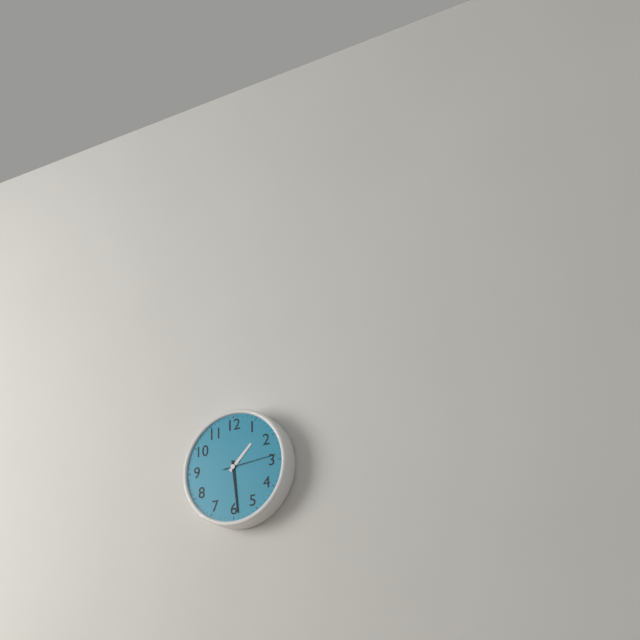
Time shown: h=1 m=29 s=14
